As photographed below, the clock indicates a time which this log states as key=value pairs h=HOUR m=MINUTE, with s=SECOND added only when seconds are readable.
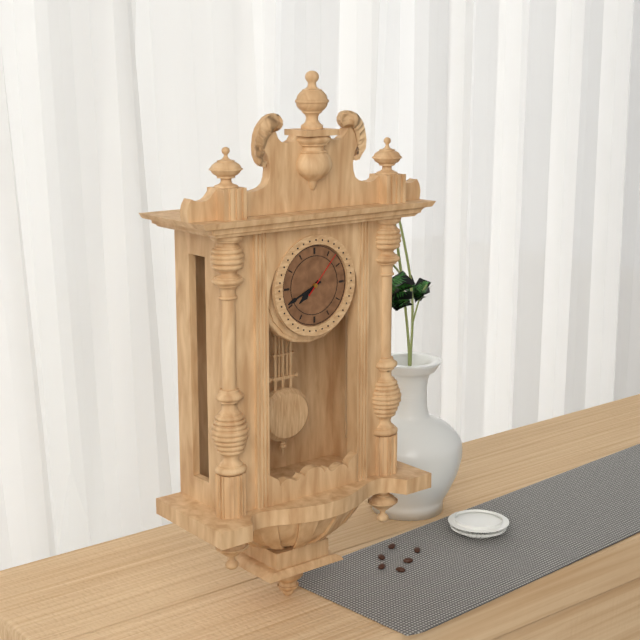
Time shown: h=7 m=41
